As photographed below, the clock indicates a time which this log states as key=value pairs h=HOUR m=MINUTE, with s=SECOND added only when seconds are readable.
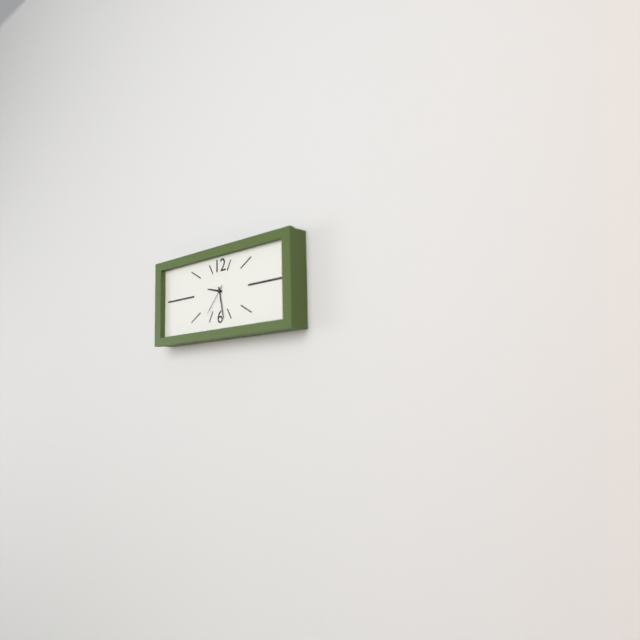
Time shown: h=9 m=28
